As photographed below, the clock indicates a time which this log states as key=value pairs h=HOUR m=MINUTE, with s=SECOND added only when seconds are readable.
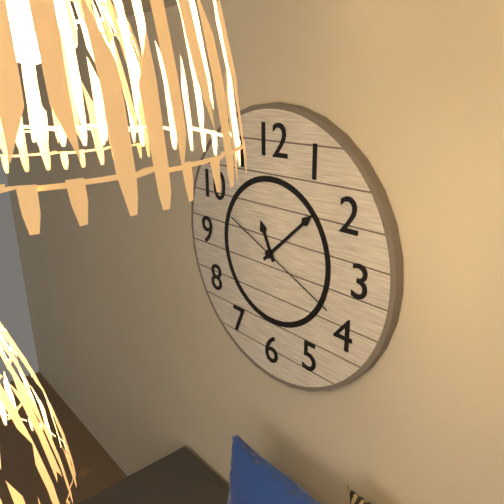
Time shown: h=11 m=8 s=19
